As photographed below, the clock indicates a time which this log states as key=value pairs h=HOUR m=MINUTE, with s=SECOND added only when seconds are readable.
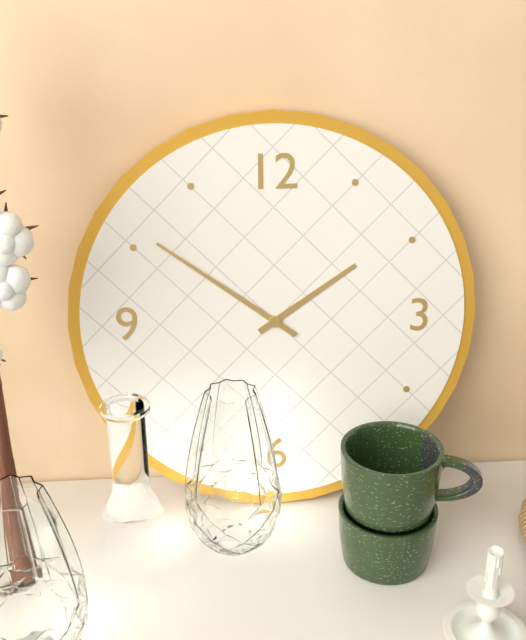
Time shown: h=1 m=51
